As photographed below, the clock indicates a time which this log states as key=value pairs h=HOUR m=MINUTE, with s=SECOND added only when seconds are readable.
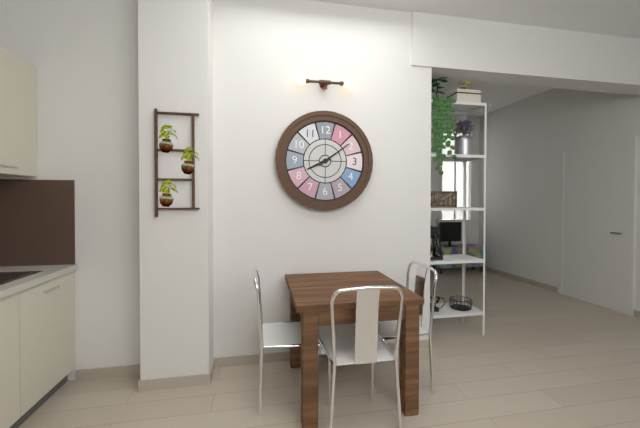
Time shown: h=8 m=9
